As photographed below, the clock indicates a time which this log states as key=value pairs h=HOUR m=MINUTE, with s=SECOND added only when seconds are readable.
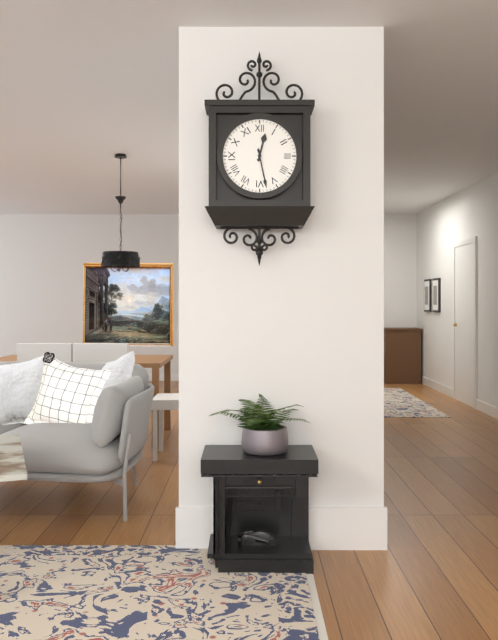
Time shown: h=12 m=28
